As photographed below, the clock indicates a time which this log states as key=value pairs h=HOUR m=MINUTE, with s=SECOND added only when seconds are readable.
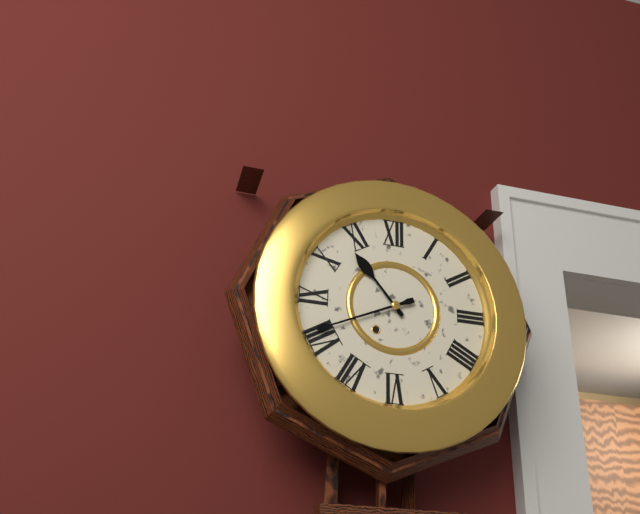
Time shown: h=10 m=41
